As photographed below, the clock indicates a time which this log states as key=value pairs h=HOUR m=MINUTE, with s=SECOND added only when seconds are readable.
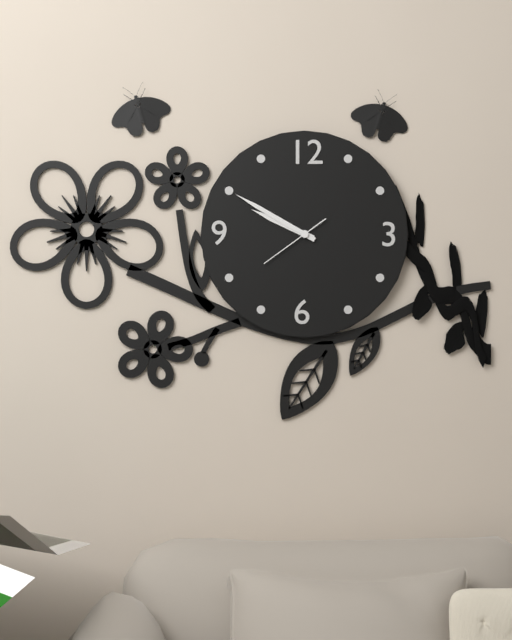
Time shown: h=9 m=50 s=39
